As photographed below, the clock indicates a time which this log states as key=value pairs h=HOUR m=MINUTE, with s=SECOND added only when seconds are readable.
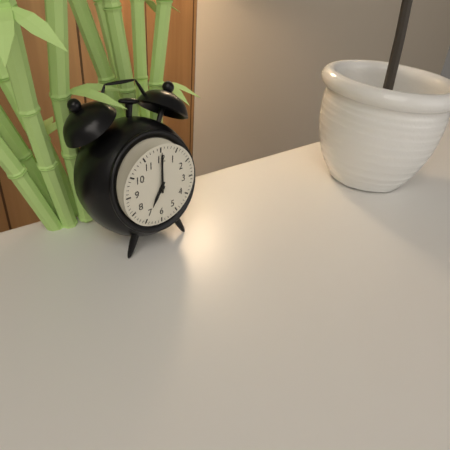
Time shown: h=7 m=0
